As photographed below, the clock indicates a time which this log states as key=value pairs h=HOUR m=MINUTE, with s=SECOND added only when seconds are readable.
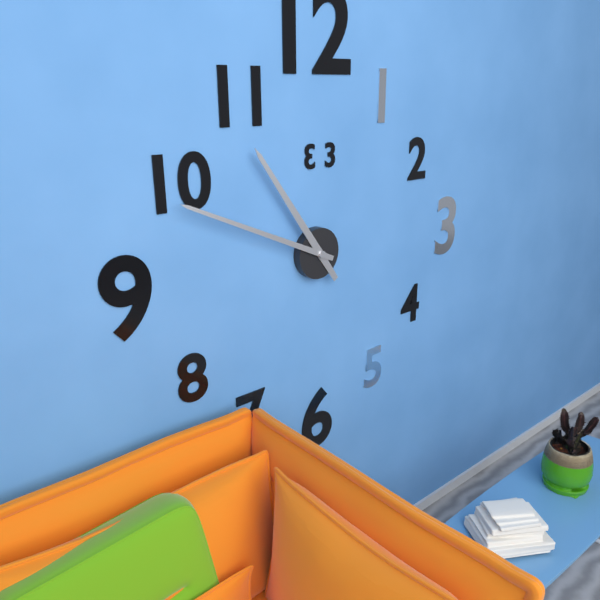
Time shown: h=10 m=49
